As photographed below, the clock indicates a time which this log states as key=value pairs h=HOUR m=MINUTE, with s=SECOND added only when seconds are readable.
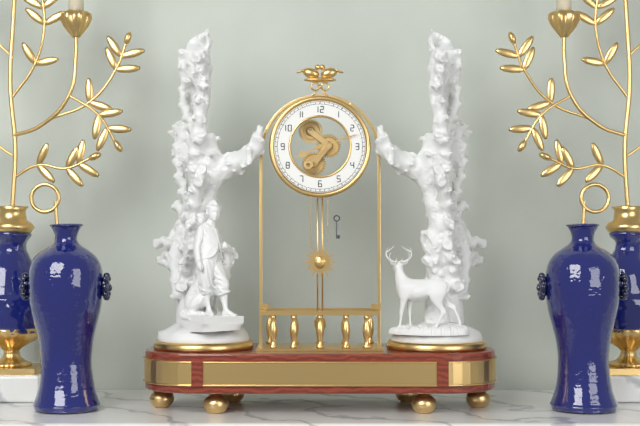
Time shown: h=8 m=12
